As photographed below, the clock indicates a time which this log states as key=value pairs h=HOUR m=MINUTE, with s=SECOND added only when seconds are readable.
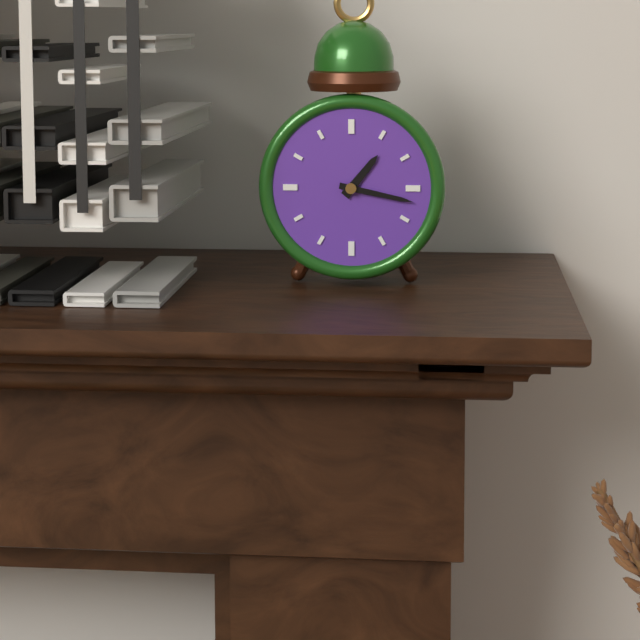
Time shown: h=1 m=17
